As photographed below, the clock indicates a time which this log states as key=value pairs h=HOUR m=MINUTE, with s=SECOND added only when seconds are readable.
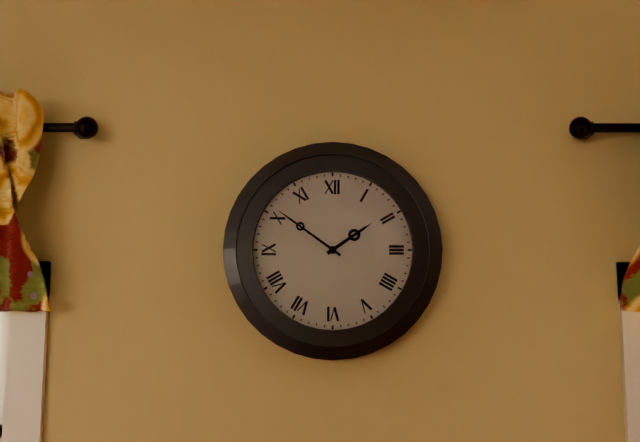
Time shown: h=1 m=51
